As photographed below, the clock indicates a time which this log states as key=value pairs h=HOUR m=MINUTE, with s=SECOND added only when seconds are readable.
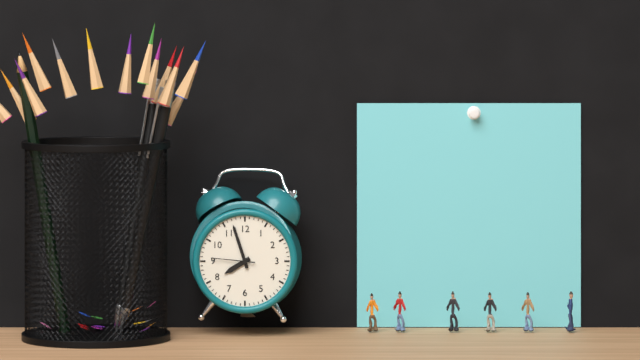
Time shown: h=7 m=57
